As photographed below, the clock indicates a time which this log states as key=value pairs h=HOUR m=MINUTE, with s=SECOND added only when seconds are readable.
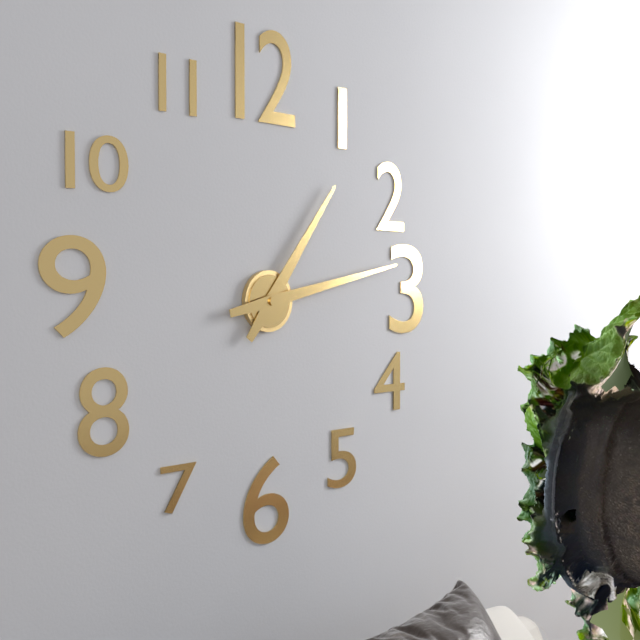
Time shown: h=1 m=13
